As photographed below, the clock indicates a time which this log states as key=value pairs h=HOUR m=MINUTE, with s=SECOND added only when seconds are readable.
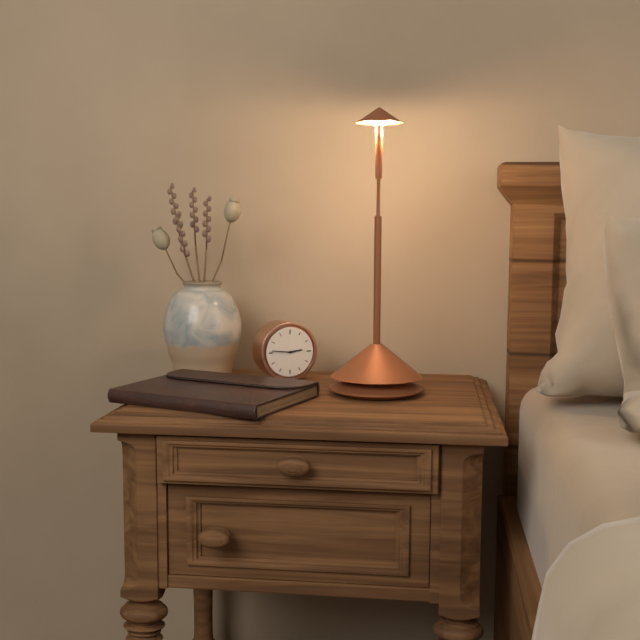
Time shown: h=2 m=46
